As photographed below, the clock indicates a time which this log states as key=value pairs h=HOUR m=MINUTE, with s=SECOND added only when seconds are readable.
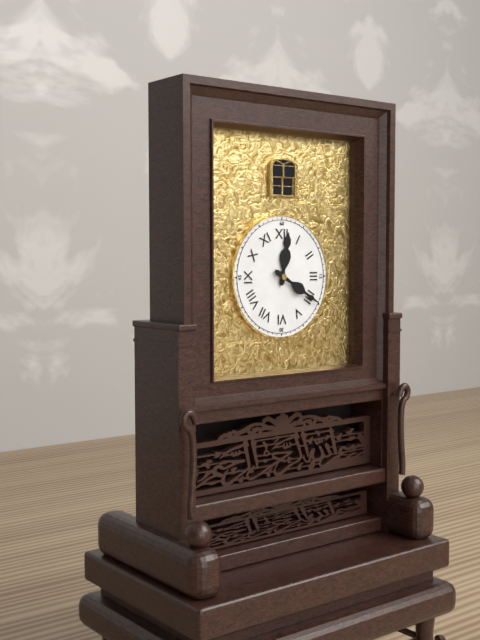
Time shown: h=12 m=20
